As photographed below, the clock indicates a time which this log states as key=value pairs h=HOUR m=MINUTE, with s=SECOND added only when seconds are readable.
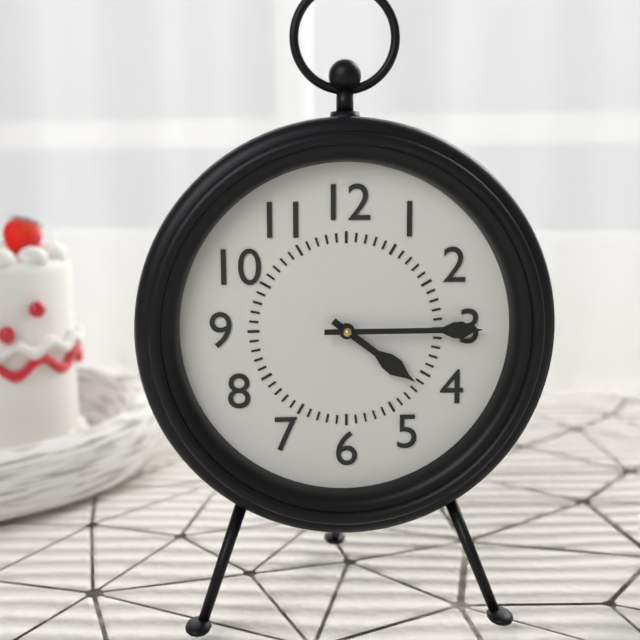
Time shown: h=4 m=15
